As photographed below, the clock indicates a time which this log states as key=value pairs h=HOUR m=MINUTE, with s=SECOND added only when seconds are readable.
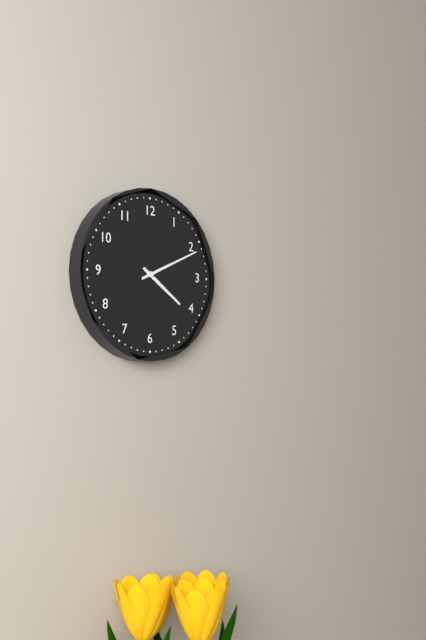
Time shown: h=4 m=11
